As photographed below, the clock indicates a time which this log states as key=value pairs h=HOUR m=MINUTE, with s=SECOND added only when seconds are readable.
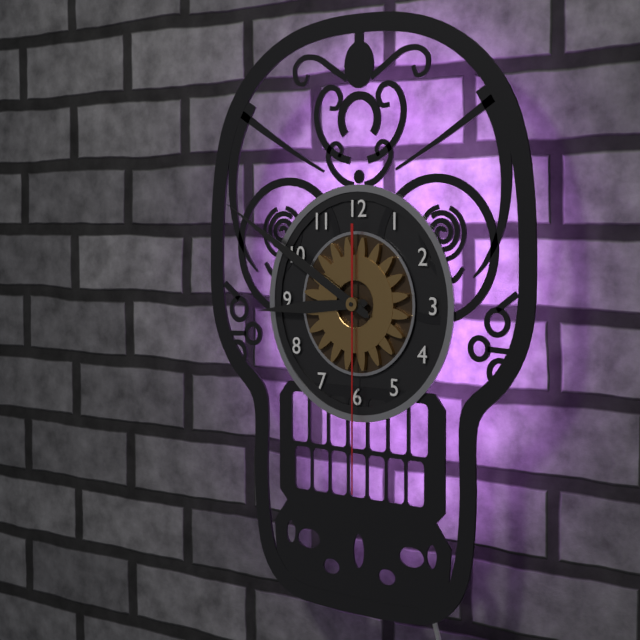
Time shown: h=8 m=50 s=30
